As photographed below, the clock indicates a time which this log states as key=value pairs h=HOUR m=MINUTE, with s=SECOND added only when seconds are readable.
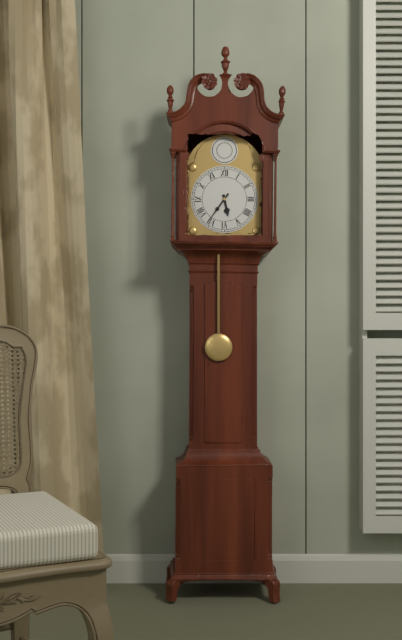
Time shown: h=5 m=36
